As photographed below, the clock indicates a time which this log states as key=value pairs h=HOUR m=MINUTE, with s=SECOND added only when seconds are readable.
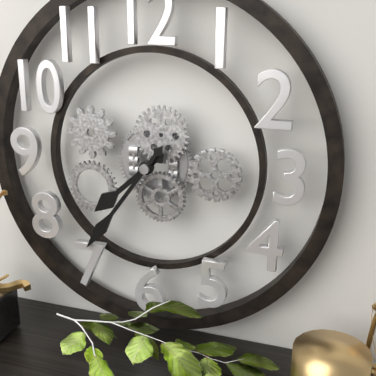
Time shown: h=7 m=36
